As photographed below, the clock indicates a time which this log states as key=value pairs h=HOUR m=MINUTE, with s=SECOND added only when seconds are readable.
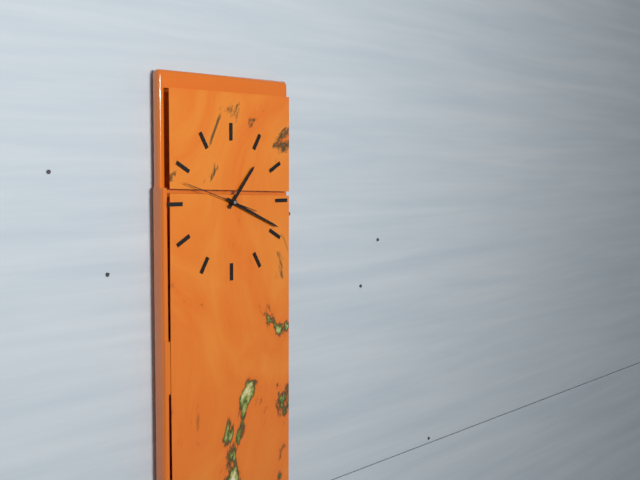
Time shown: h=1 m=19 s=48
